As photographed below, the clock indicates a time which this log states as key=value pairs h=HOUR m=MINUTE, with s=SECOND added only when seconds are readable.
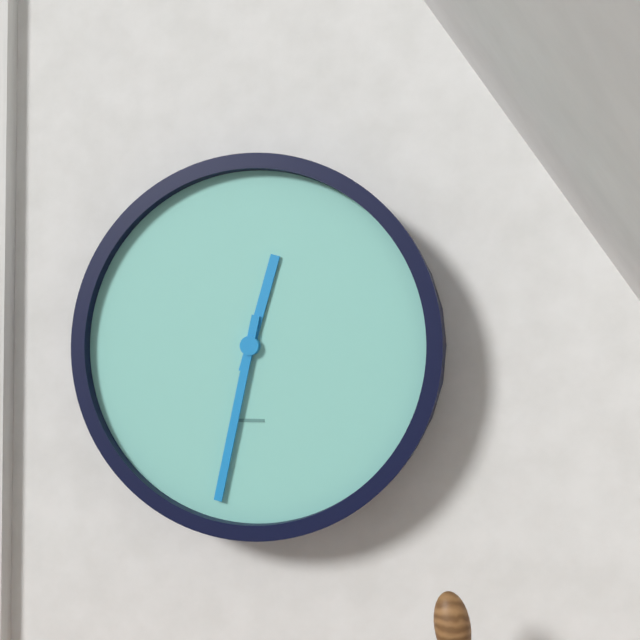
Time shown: h=12 m=32
